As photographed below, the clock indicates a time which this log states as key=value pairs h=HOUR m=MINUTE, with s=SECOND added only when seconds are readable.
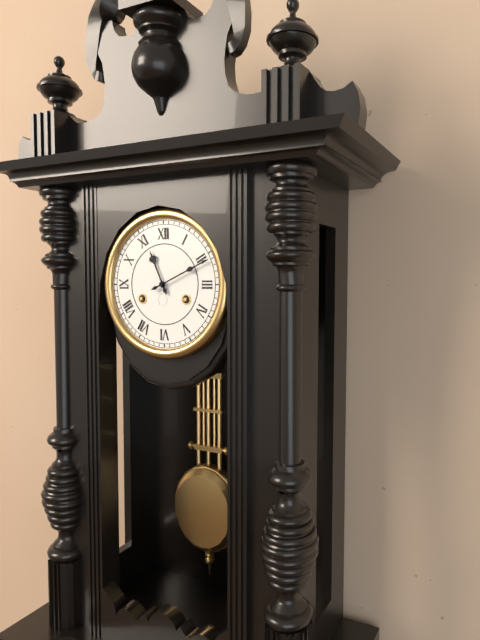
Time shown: h=11 m=11
